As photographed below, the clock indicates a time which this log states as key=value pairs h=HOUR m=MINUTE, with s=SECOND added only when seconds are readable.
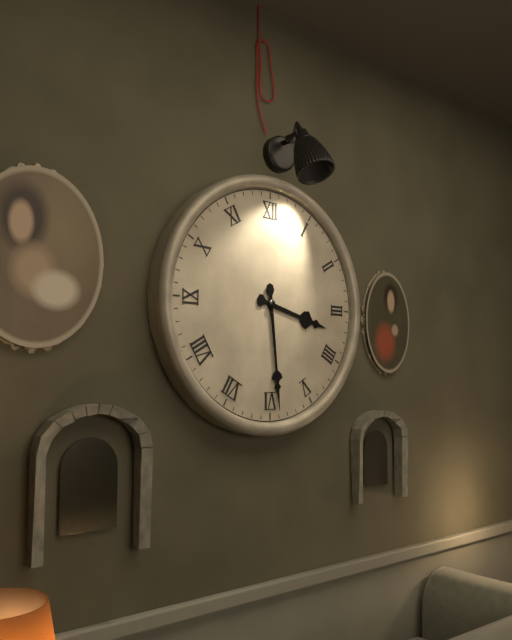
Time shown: h=3 m=29
